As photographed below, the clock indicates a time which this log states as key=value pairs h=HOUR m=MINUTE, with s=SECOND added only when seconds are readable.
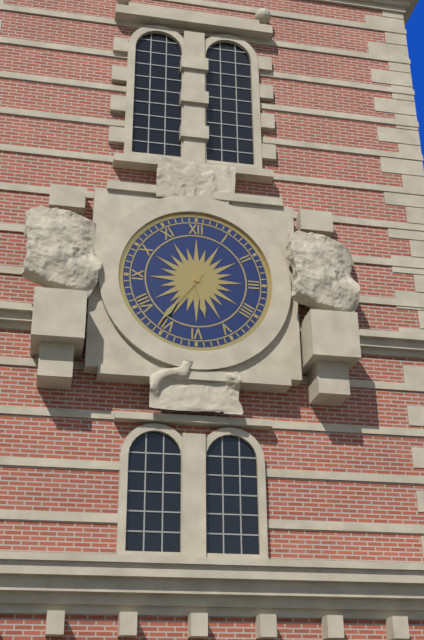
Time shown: h=5 m=36
